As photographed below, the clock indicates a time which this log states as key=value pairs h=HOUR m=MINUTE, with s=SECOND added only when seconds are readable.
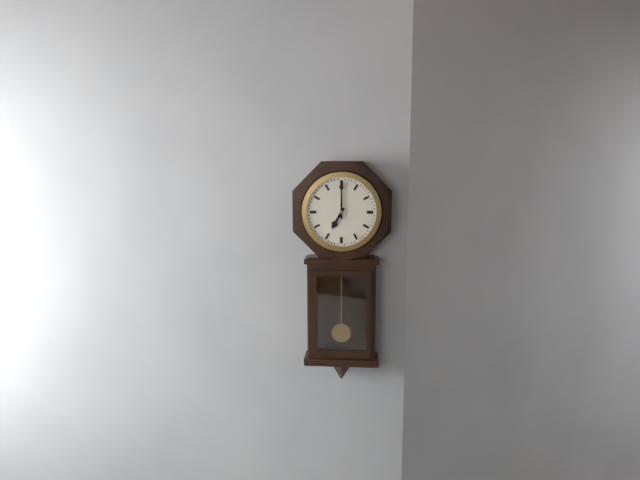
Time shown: h=7 m=0
